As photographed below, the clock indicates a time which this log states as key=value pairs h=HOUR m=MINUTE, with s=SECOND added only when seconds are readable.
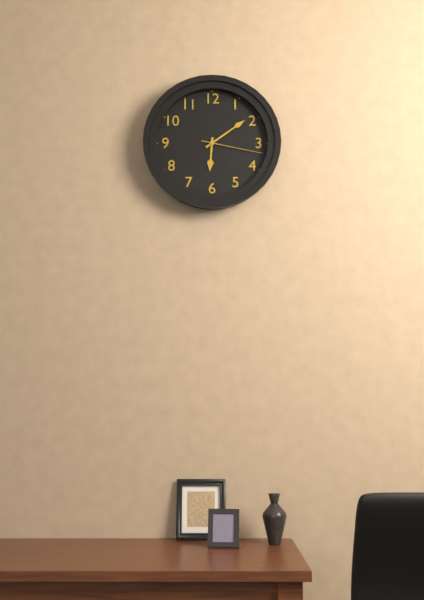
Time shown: h=6 m=9 s=17
